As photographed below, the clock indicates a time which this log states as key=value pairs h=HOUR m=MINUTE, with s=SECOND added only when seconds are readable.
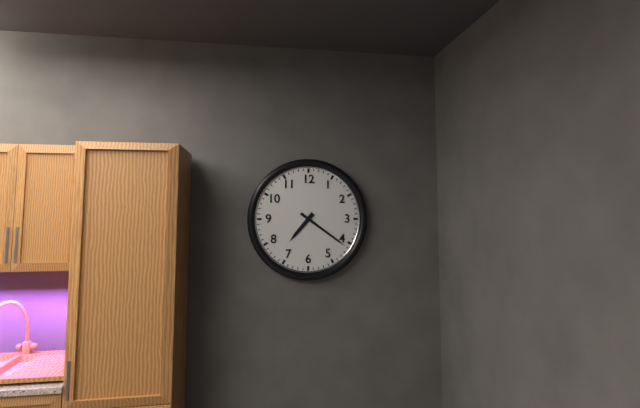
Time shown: h=7 m=21
